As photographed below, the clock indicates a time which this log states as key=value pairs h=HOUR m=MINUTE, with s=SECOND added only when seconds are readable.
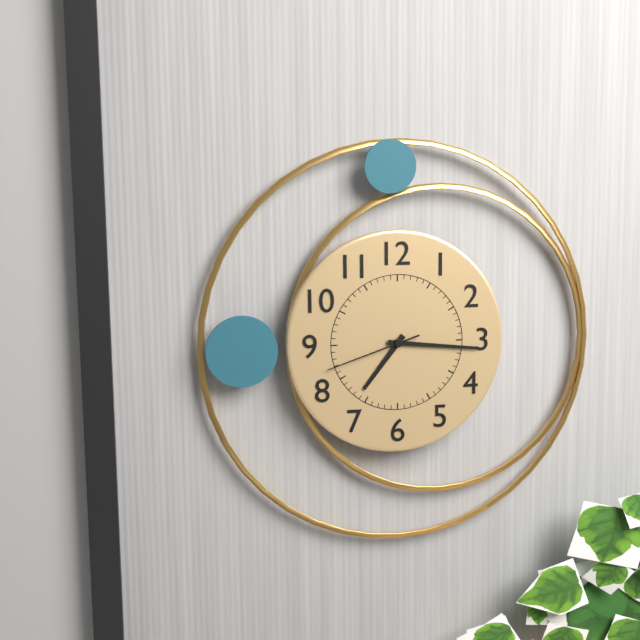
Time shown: h=7 m=16 s=42
